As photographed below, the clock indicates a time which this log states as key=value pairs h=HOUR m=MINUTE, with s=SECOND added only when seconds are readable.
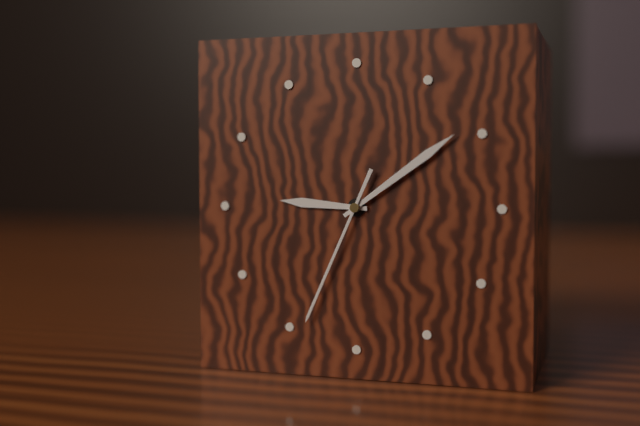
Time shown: h=9 m=9 s=34
